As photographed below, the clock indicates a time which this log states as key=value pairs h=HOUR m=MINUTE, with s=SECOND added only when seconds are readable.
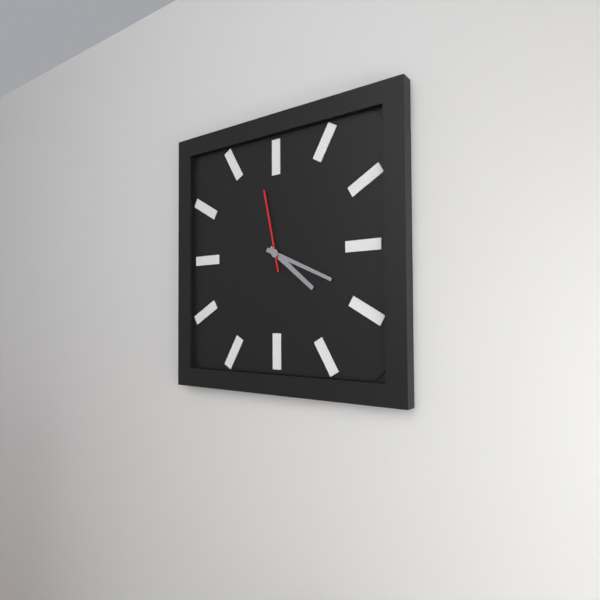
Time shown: h=4 m=19 s=58
